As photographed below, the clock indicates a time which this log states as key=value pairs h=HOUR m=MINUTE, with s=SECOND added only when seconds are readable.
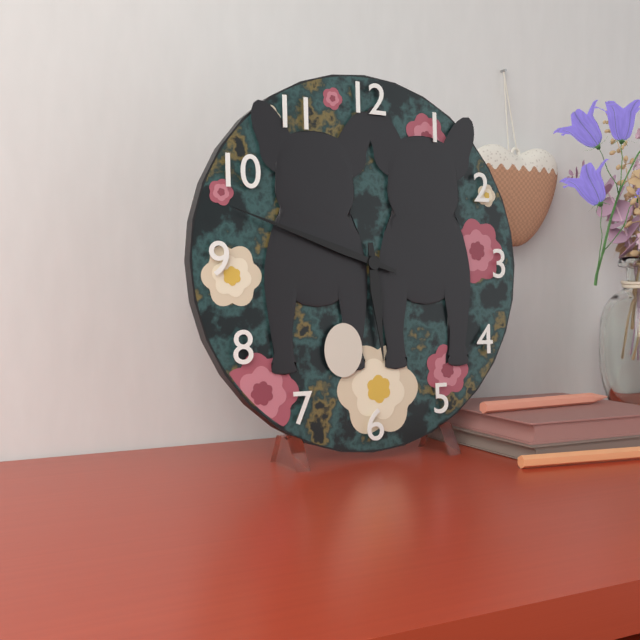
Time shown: h=5 m=48
